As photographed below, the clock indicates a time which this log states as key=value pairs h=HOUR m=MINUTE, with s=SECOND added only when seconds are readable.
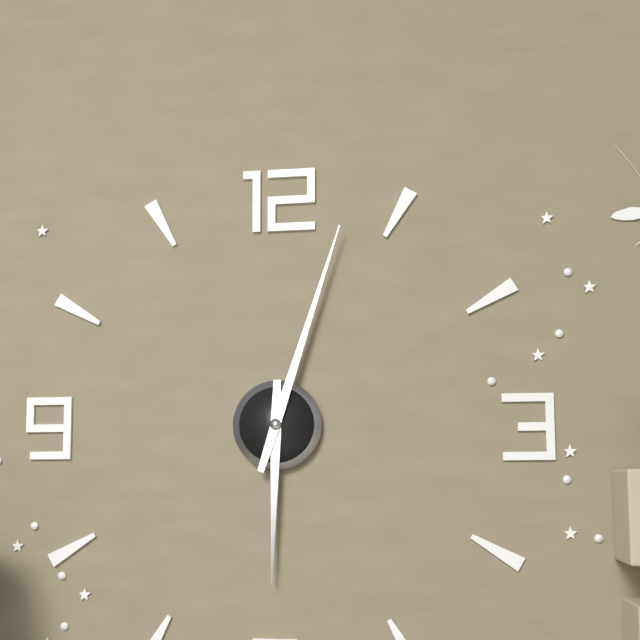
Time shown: h=6 m=3
